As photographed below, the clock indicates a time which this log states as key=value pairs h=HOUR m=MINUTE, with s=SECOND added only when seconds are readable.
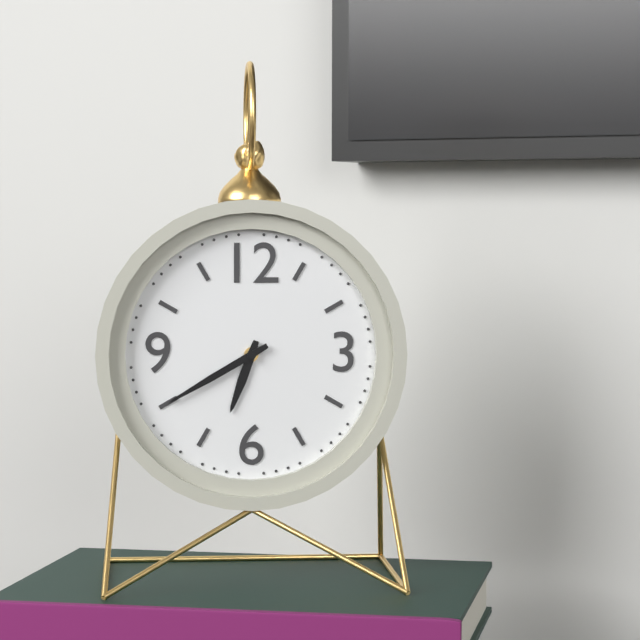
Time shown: h=6 m=40
